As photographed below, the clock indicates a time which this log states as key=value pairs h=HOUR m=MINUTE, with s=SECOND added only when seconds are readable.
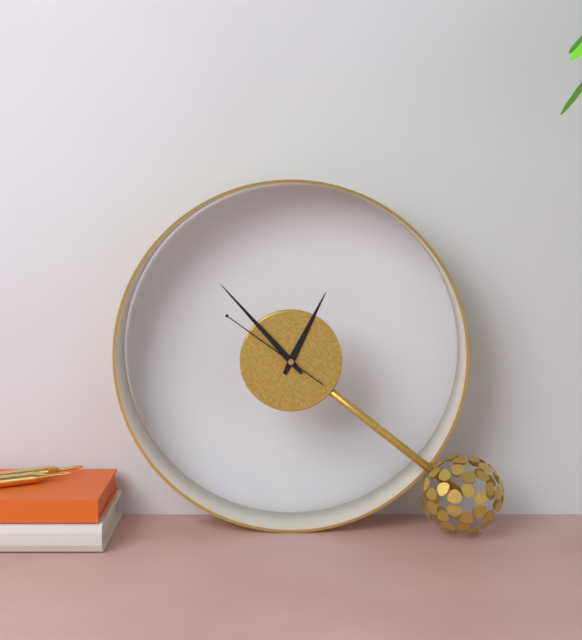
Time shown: h=12 m=53 s=51
